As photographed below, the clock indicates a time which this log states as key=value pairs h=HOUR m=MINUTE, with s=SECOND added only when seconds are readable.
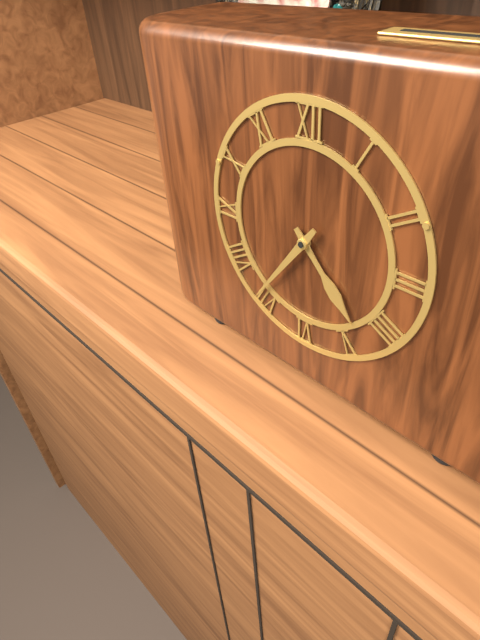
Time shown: h=4 m=36
